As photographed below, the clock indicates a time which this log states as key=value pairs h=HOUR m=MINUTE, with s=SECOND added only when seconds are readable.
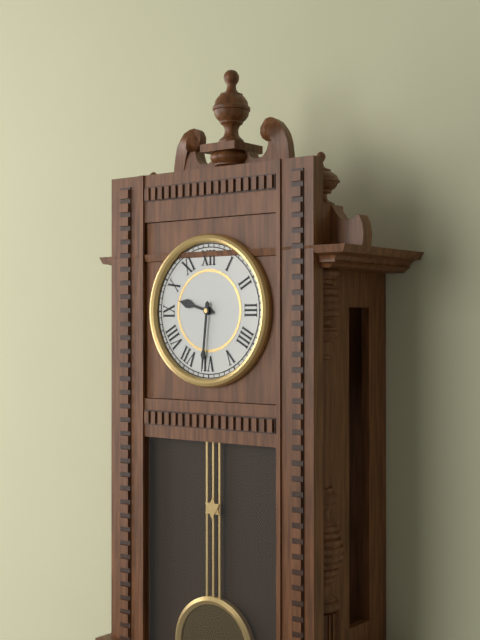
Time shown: h=9 m=31
